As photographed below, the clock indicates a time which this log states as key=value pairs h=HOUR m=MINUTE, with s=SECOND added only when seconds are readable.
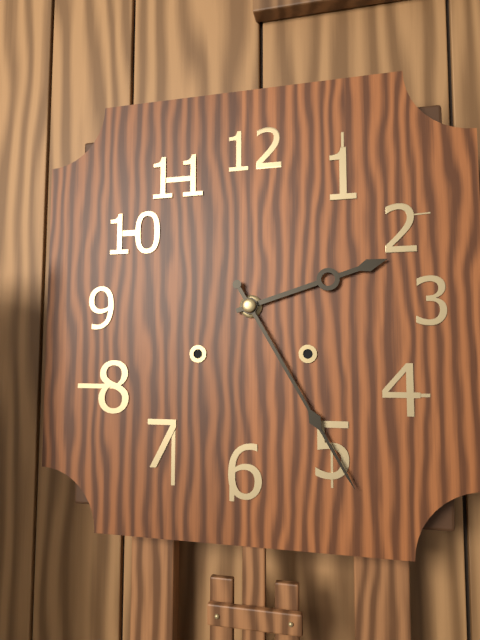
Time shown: h=2 m=25
